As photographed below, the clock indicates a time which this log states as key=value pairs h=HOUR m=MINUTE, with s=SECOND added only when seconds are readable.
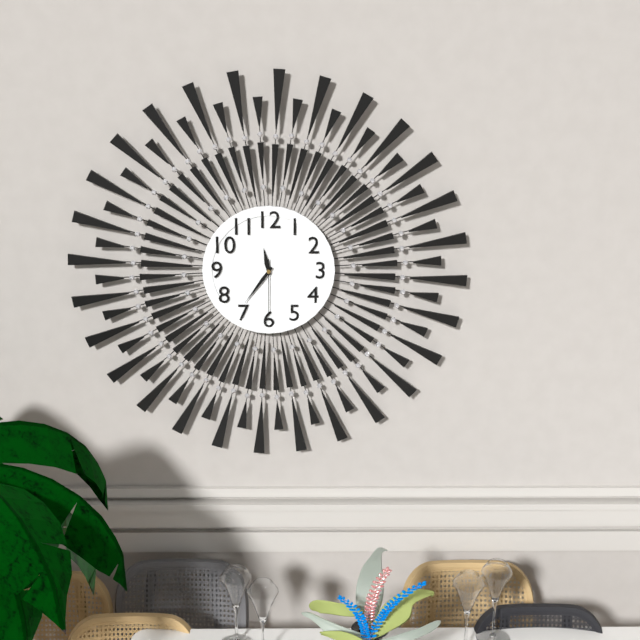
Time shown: h=11 m=36 s=30
